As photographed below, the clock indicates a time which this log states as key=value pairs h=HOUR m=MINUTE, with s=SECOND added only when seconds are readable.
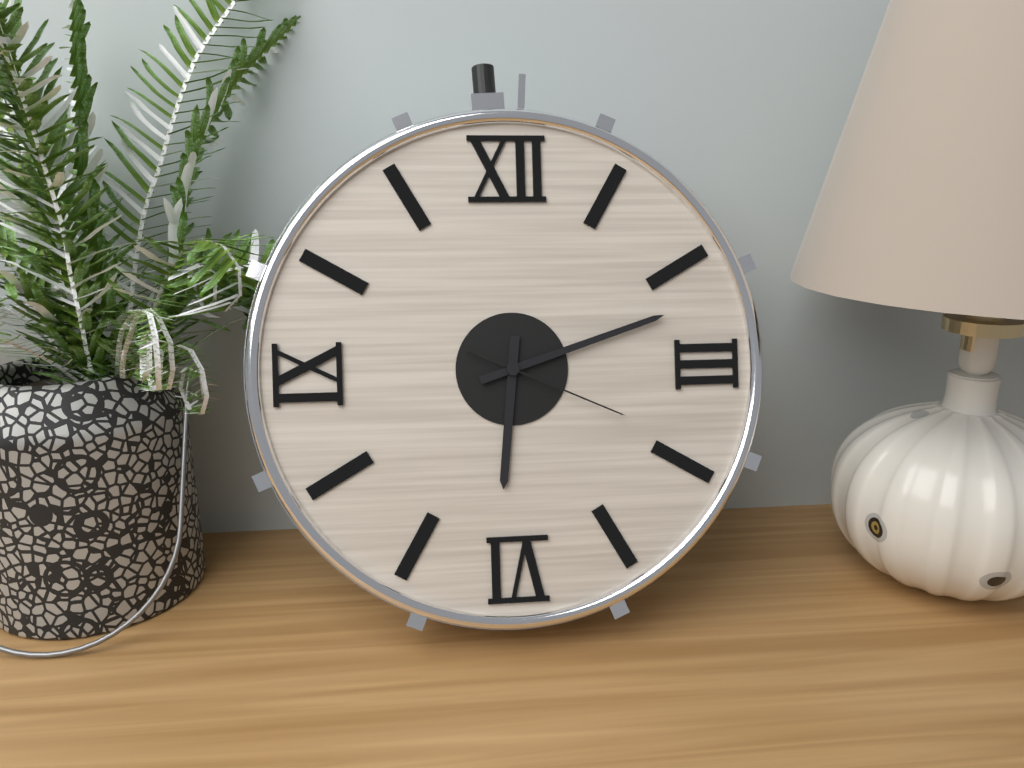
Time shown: h=6 m=12 s=19
